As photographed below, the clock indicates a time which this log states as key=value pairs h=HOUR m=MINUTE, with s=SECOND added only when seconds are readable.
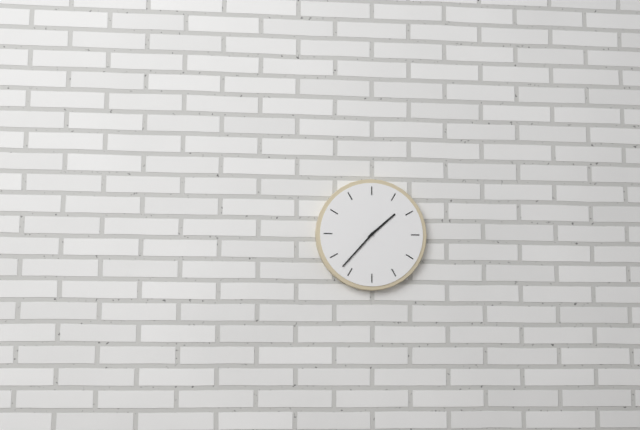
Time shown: h=1 m=37
